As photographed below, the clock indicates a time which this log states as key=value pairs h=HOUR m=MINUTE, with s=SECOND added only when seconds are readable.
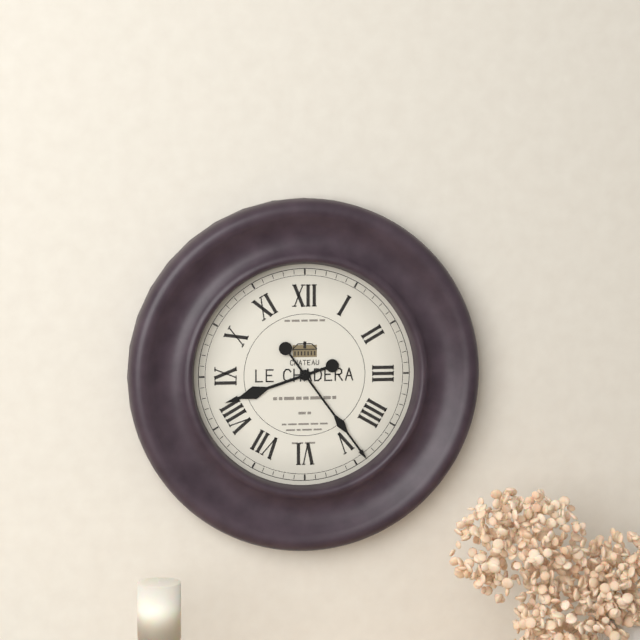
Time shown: h=8 m=24
